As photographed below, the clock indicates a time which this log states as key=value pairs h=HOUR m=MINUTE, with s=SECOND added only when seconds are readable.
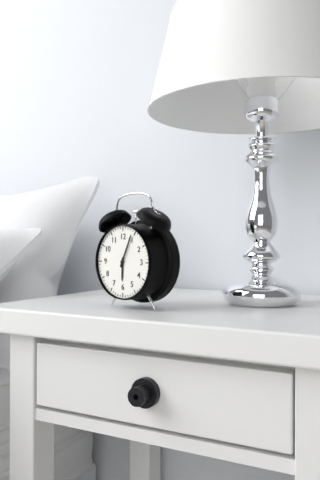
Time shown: h=6 m=4
